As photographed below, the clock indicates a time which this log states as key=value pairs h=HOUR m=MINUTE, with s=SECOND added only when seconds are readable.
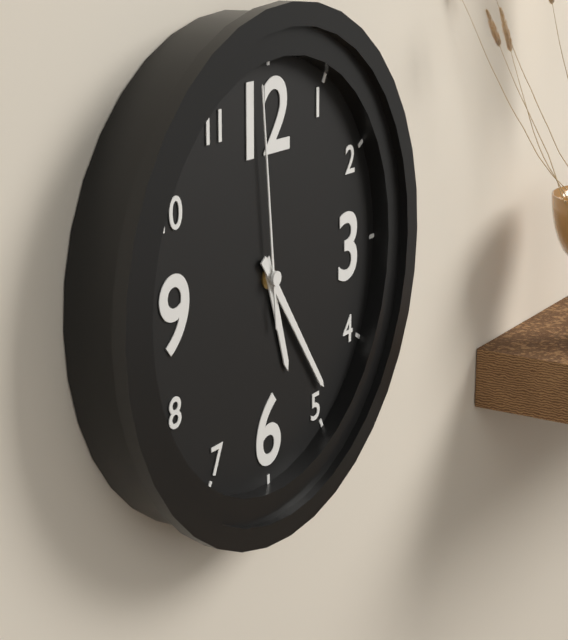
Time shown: h=5 m=24 s=59
